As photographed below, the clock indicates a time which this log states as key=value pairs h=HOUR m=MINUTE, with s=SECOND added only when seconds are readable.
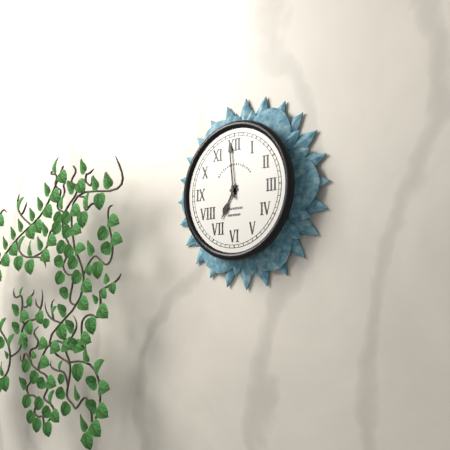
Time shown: h=6 m=59
